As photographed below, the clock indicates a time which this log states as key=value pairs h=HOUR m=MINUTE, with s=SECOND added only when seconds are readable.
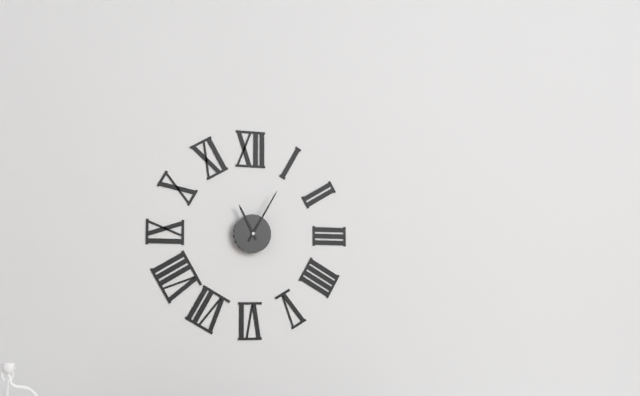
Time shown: h=11 m=5
